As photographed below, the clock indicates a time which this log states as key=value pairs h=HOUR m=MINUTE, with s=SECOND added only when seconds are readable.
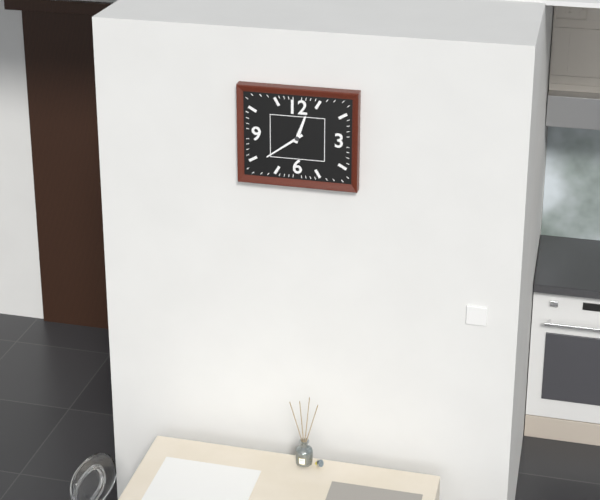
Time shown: h=12 m=39
